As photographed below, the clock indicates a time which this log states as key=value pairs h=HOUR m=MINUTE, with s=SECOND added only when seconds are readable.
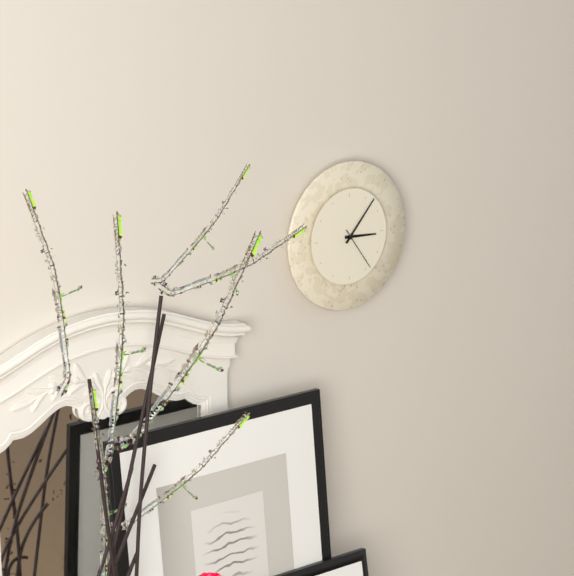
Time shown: h=3 m=7
